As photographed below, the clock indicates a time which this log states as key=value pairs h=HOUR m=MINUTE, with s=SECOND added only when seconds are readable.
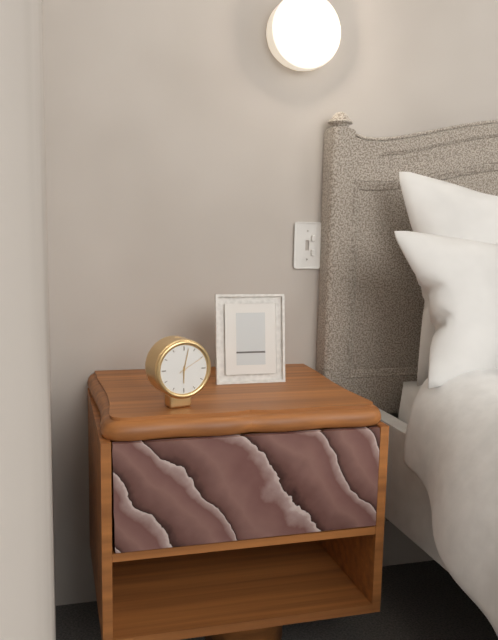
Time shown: h=6 m=2
